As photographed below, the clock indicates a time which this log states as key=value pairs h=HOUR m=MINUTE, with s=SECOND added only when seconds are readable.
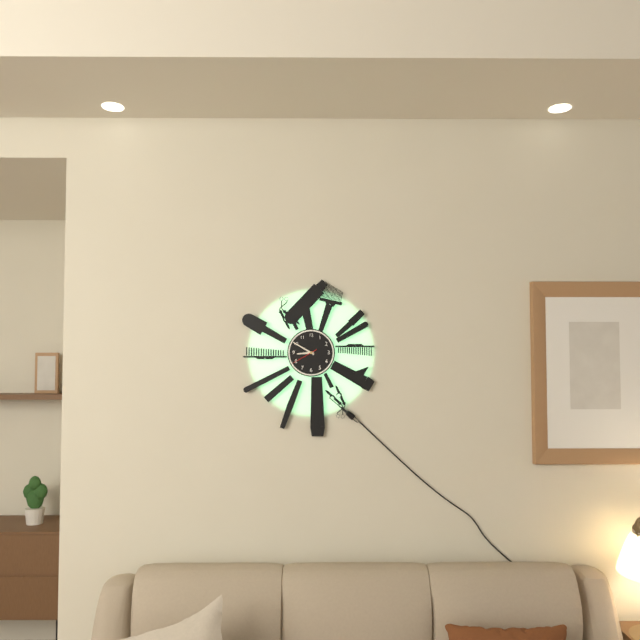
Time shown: h=8 m=50
